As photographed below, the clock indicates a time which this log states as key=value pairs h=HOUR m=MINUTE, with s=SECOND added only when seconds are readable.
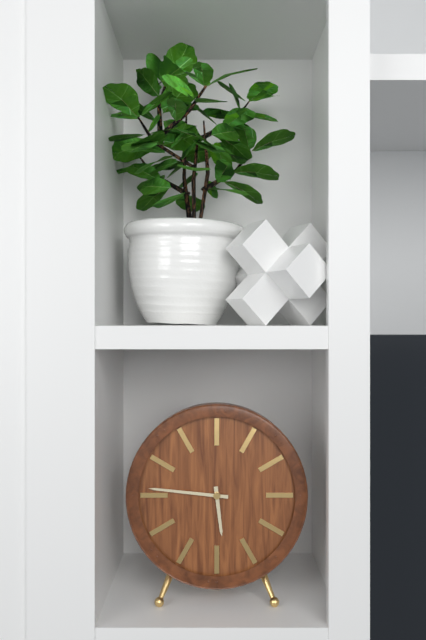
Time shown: h=5 m=46
